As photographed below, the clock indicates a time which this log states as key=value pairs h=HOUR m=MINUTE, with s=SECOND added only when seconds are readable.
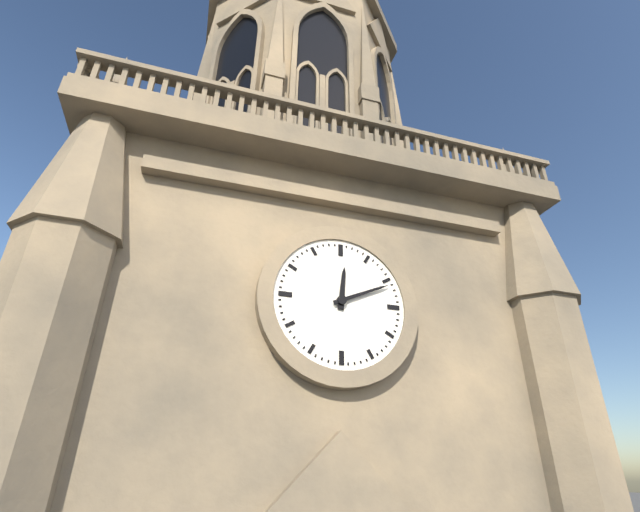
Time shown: h=12 m=11
